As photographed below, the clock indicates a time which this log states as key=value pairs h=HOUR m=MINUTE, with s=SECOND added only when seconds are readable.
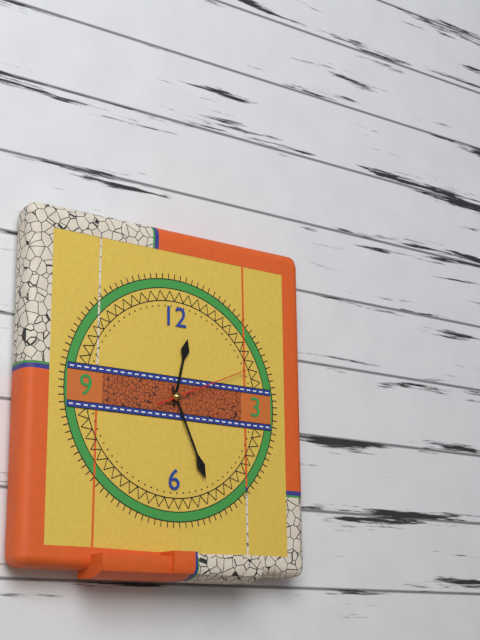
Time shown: h=12 m=26 s=11
